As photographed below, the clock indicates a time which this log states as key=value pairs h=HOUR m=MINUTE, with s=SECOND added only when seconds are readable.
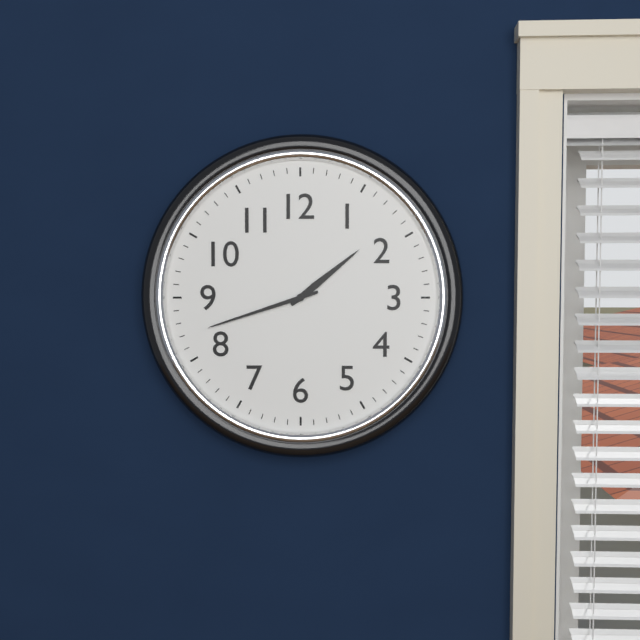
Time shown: h=1 m=42
